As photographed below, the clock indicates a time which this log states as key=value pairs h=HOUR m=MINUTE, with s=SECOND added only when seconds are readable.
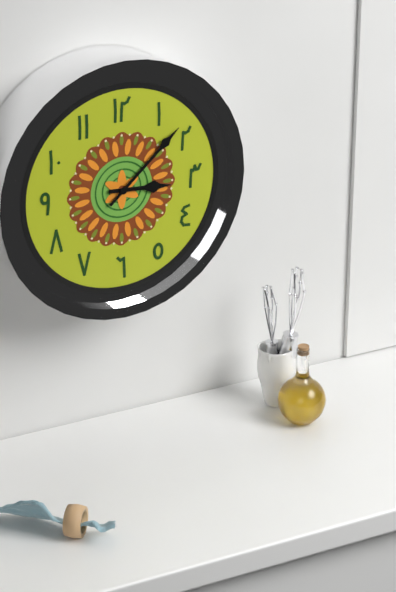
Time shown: h=3 m=8
